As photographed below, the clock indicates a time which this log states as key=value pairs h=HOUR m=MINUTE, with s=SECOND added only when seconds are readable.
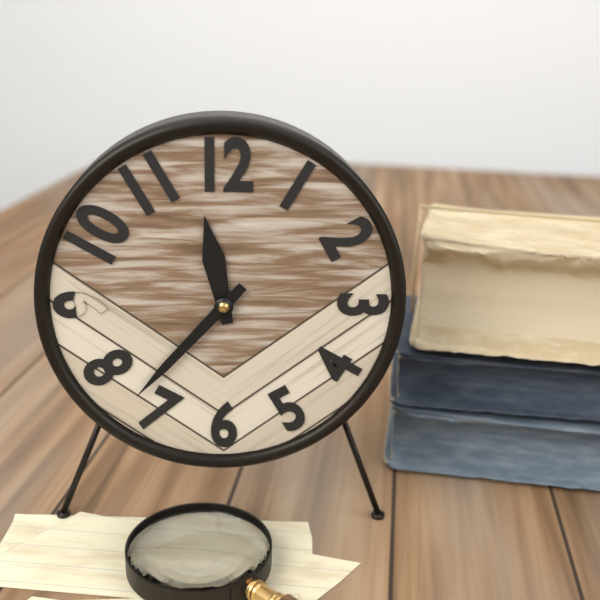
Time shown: h=11 m=37
